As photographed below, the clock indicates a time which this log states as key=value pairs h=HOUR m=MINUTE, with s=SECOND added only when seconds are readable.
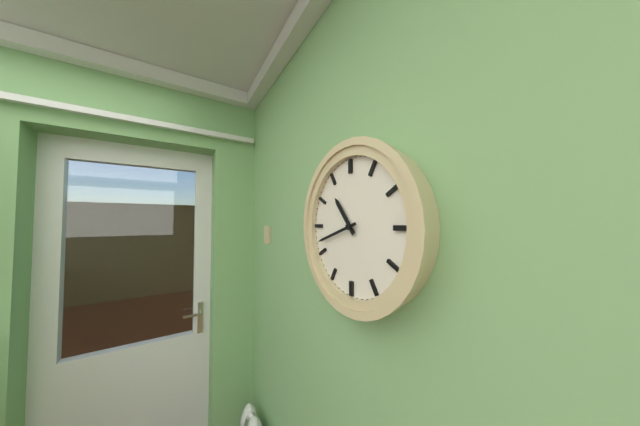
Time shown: h=10 m=42
